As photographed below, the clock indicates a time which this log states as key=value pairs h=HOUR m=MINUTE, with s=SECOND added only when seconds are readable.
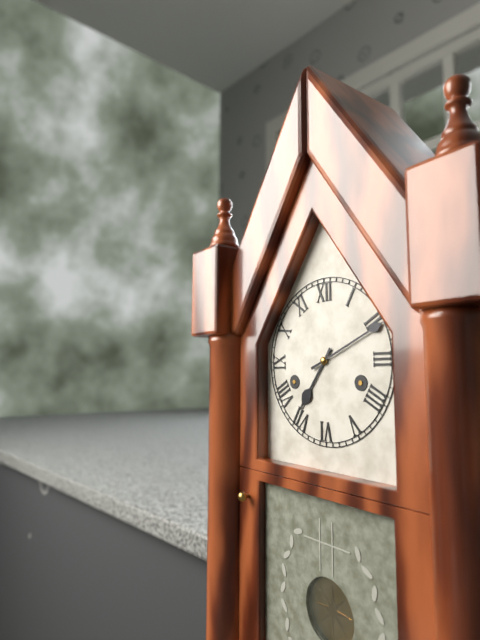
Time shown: h=7 m=11
